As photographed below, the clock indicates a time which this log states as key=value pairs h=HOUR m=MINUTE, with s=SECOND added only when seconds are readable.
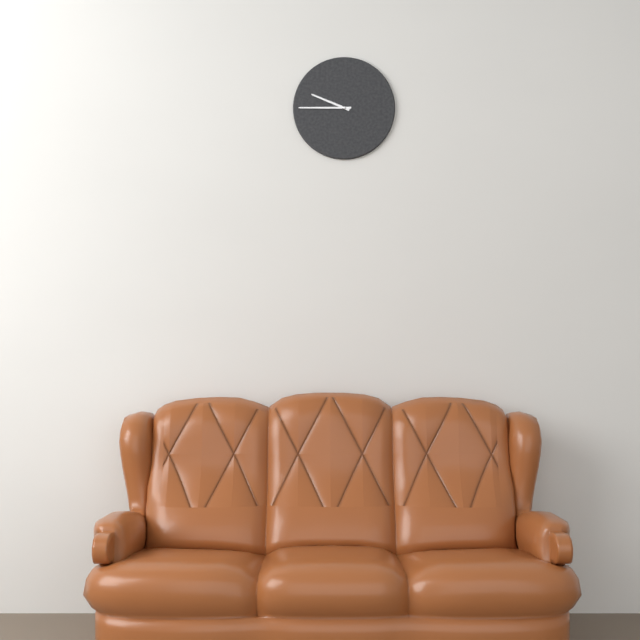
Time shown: h=9 m=45
